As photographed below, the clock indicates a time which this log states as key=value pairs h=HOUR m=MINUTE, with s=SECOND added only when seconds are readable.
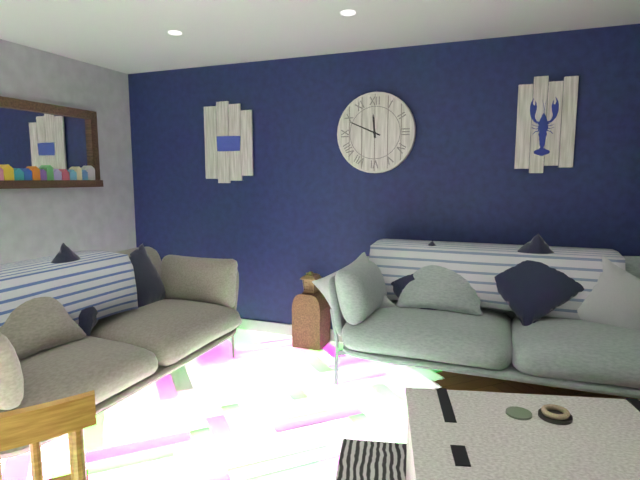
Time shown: h=11 m=49
